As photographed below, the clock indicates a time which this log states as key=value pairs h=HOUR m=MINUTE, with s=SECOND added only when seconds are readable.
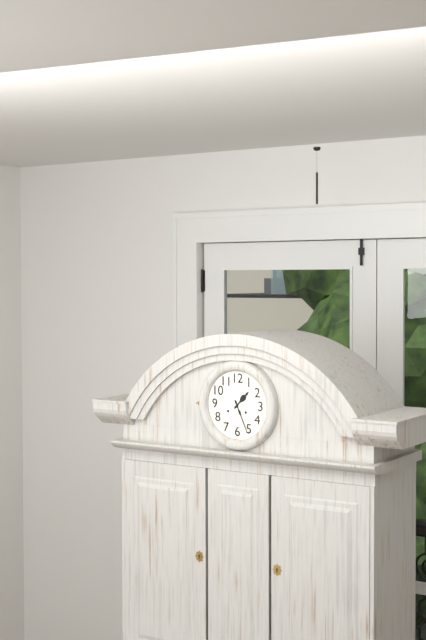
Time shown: h=1 m=26
